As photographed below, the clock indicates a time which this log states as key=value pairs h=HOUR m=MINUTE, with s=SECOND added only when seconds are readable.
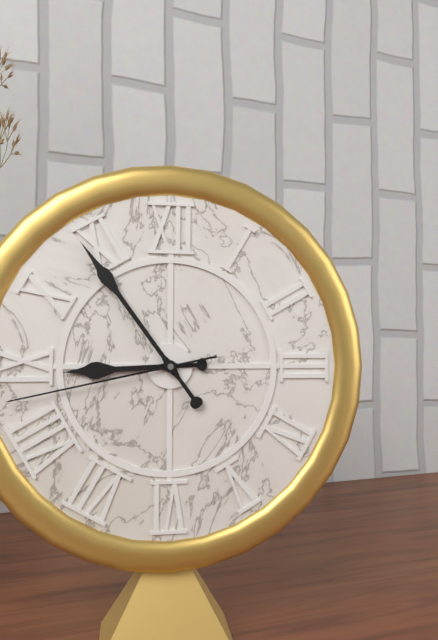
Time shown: h=8 m=54 s=43
